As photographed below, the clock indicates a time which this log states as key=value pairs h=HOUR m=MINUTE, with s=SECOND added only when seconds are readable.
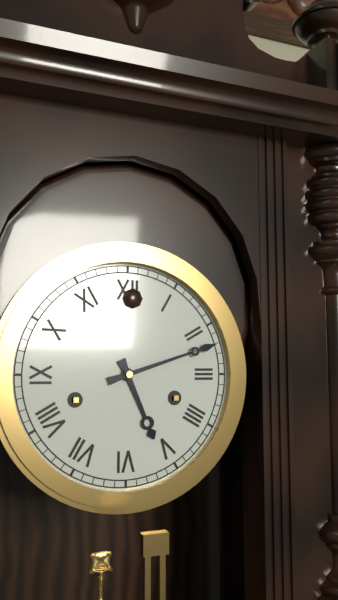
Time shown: h=5 m=12
